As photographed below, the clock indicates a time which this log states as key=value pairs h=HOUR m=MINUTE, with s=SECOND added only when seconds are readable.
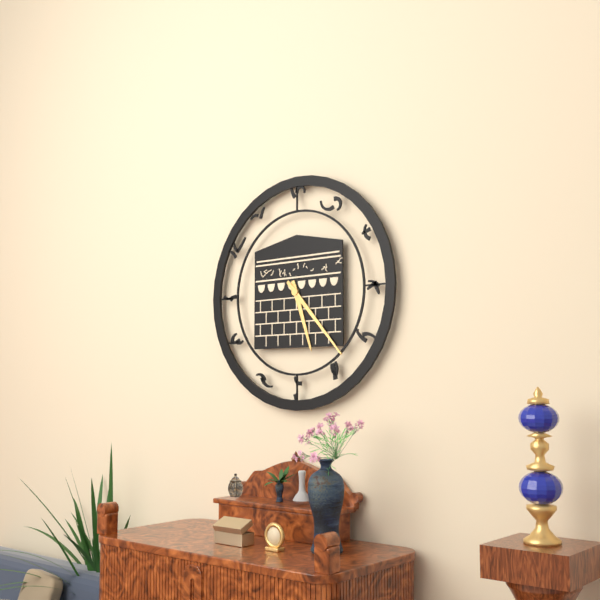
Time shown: h=5 m=23
